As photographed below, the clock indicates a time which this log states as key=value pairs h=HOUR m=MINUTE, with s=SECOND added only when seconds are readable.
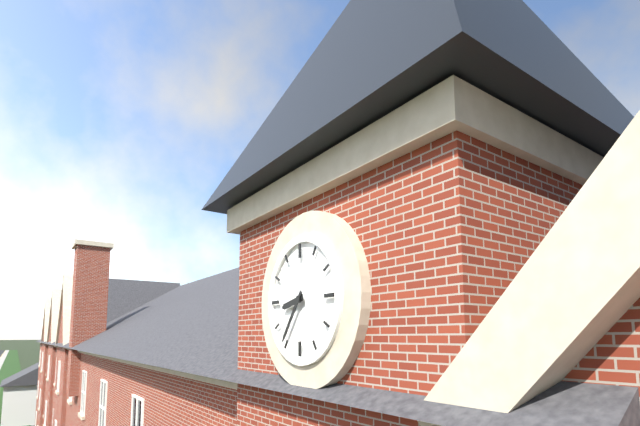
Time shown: h=8 m=36
